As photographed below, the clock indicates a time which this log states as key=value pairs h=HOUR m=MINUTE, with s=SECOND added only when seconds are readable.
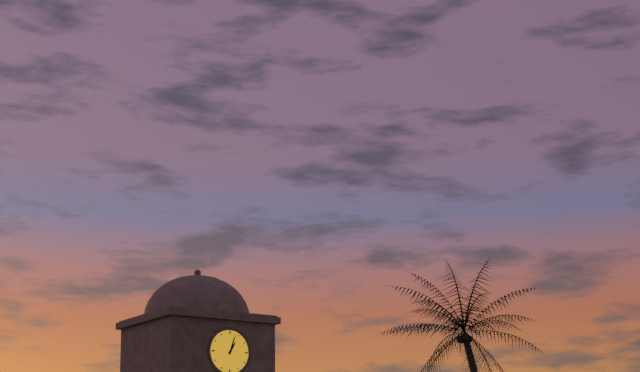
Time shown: h=1 m=3
